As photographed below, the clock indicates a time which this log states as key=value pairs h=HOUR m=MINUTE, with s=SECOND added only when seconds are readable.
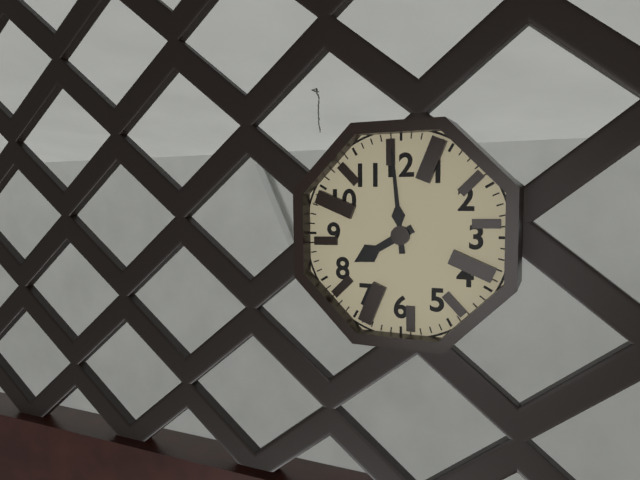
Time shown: h=7 m=59
